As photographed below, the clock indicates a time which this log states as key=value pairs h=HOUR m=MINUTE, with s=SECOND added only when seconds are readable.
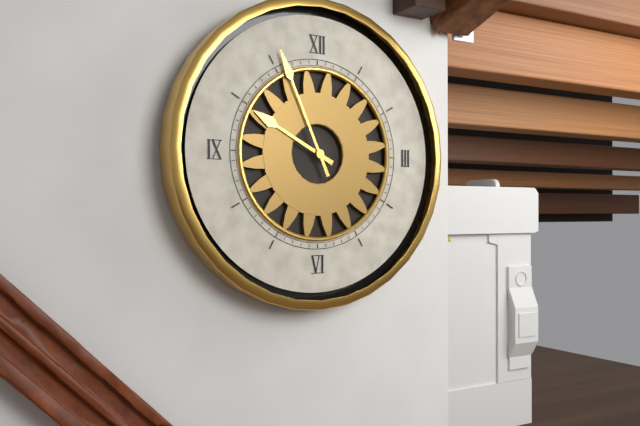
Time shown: h=9 m=56
